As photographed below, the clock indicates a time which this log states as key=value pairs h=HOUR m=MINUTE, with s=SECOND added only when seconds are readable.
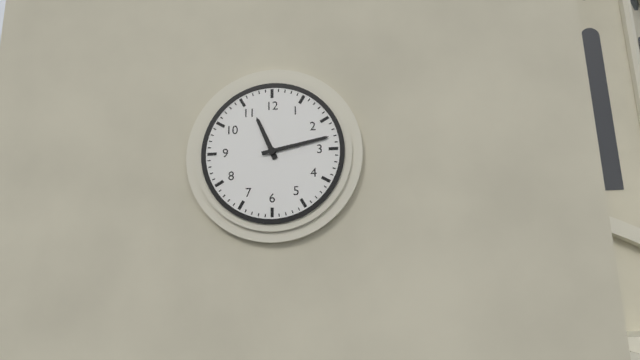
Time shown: h=11 m=13
